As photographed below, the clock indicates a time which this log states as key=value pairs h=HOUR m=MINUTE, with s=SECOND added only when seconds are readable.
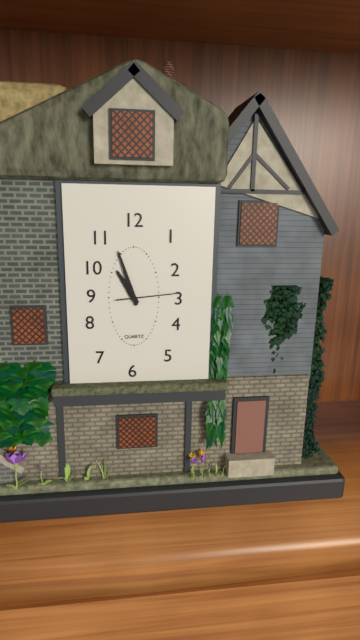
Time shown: h=10 m=57 s=14
